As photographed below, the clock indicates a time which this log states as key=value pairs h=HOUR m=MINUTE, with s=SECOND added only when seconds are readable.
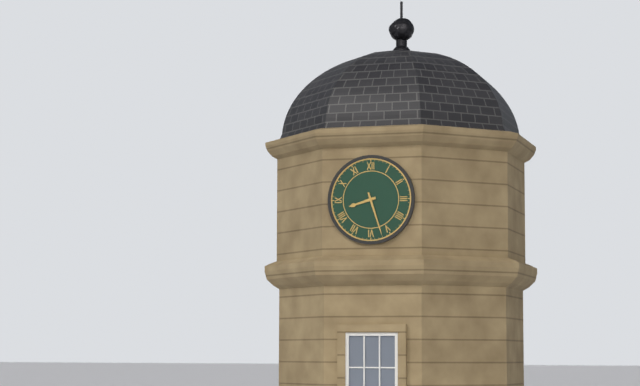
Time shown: h=8 m=27
